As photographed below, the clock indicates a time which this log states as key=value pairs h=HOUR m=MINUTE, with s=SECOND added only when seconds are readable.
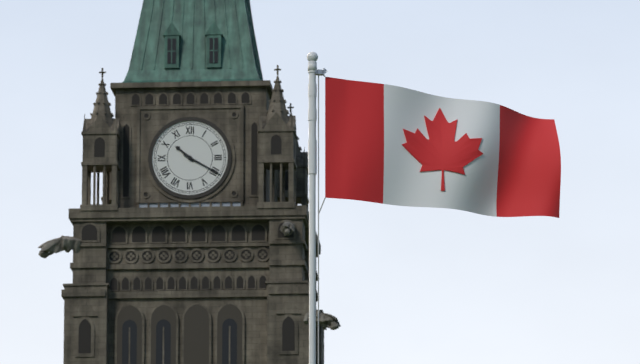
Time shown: h=10 m=20
